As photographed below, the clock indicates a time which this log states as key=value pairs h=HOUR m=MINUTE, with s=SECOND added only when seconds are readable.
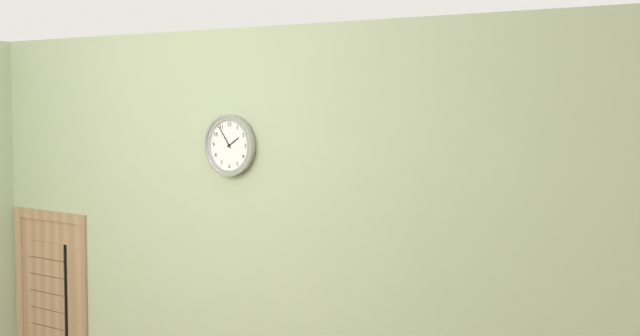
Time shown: h=1 m=54
